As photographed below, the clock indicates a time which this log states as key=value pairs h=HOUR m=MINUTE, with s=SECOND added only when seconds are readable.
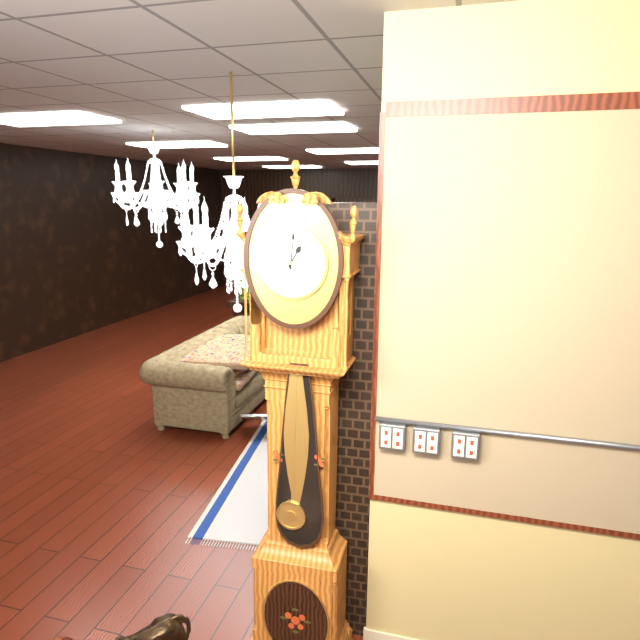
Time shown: h=1 m=1
